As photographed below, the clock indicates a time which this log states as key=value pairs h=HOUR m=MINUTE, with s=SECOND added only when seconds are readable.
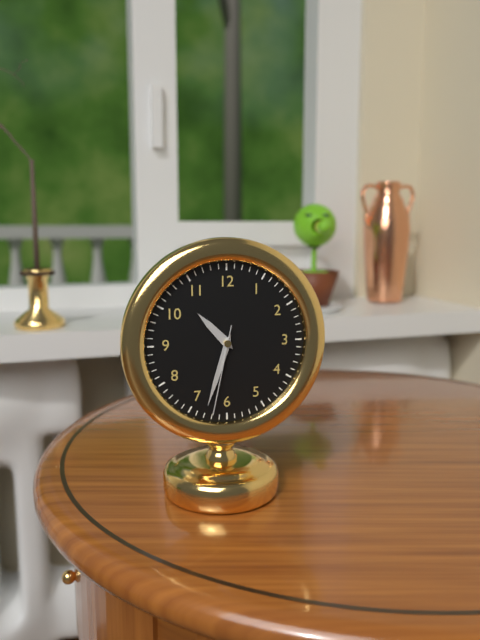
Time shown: h=10 m=33 s=32
